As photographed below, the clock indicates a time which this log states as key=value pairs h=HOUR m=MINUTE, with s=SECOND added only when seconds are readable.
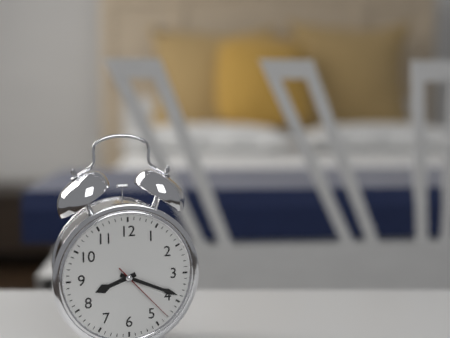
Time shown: h=8 m=19 s=23
